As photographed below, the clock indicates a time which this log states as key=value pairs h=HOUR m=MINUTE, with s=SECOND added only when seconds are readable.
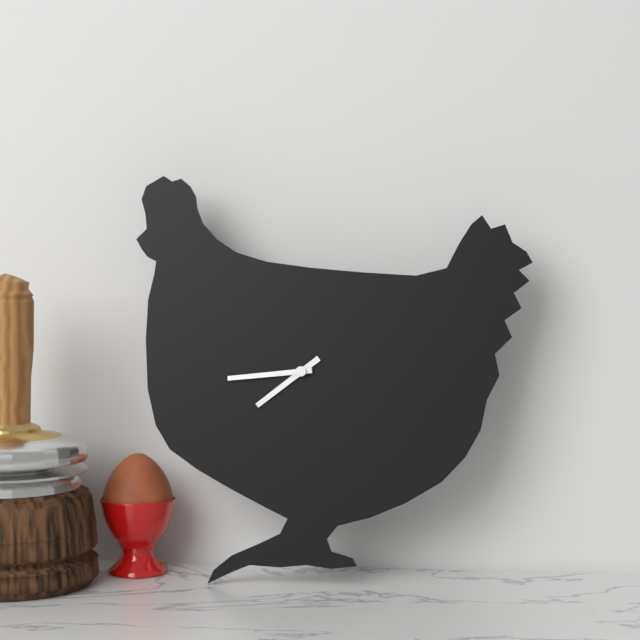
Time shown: h=7 m=44
